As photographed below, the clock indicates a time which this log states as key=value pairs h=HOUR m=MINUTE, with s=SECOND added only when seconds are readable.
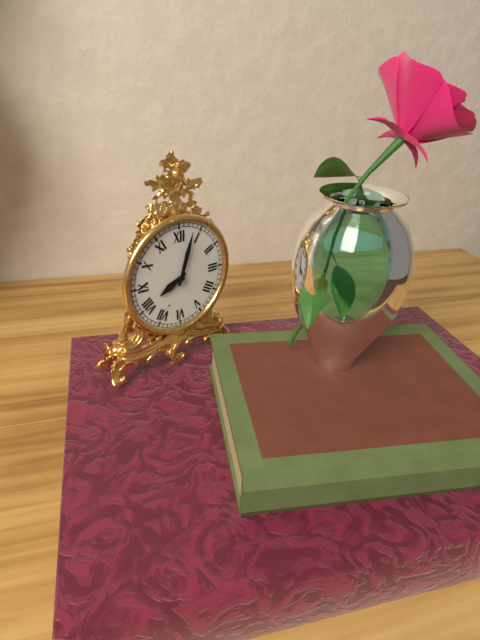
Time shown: h=8 m=3
